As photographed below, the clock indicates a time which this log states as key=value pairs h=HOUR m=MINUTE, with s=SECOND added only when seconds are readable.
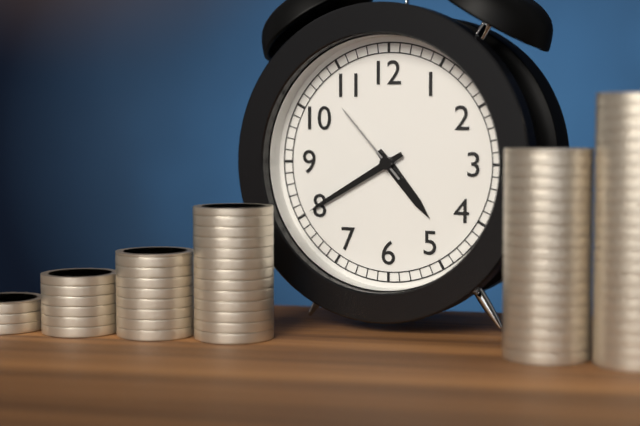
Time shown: h=4 m=40 s=53
